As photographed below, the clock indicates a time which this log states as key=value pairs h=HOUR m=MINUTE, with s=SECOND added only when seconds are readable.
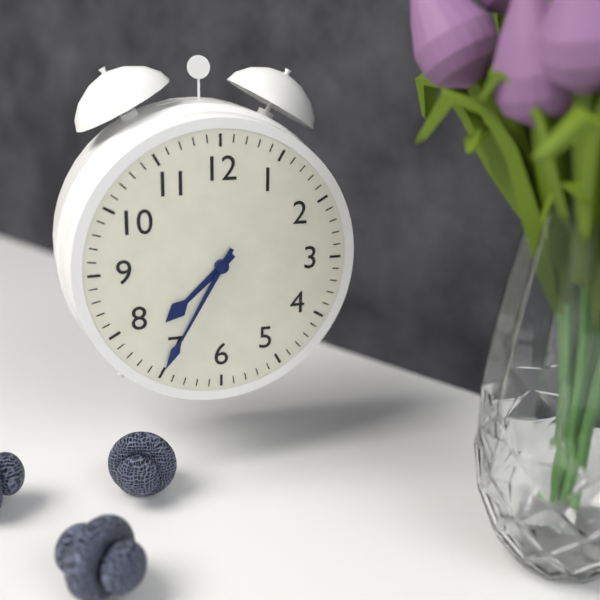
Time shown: h=7 m=35
